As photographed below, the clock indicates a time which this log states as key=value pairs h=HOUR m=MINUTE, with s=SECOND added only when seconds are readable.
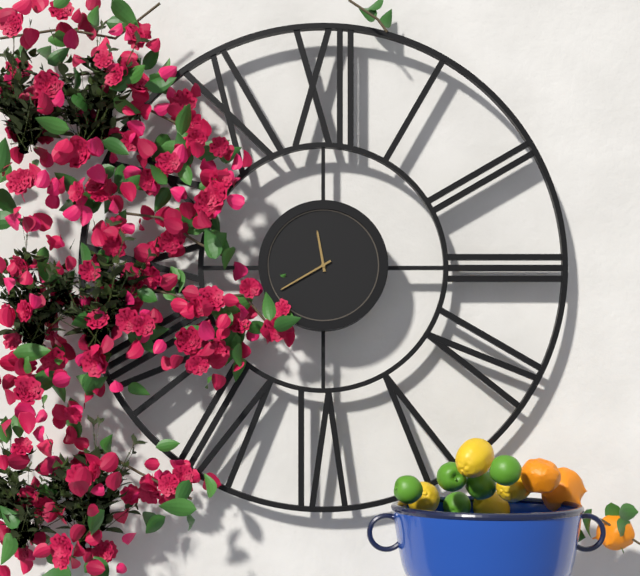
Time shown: h=11 m=40
